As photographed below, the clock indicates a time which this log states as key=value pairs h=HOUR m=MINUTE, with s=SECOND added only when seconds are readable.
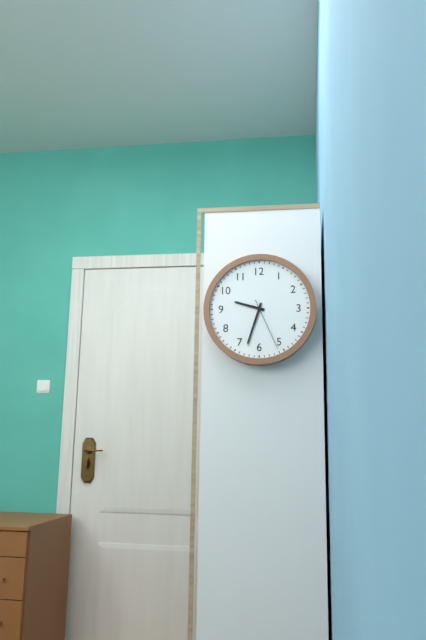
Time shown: h=9 m=33 s=26
